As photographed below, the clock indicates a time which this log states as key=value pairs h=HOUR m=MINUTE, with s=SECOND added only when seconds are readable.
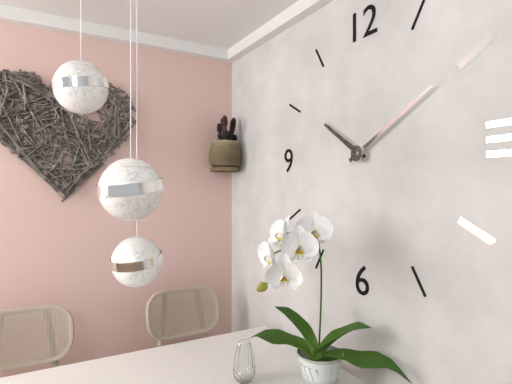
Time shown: h=10 m=10
